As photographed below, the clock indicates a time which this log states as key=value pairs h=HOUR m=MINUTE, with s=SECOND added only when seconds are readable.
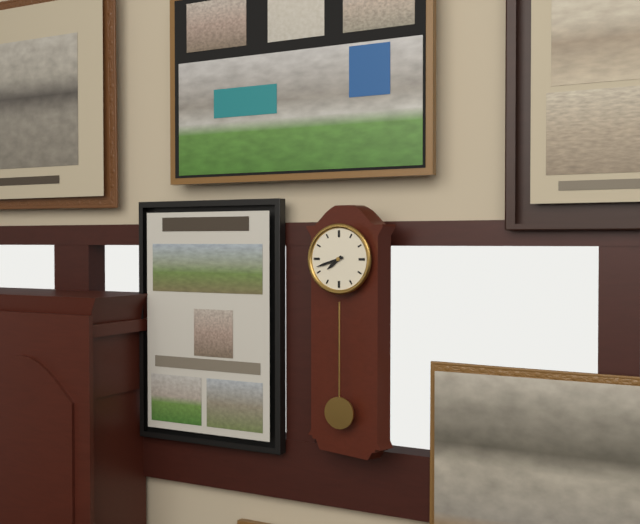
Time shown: h=7 m=42
